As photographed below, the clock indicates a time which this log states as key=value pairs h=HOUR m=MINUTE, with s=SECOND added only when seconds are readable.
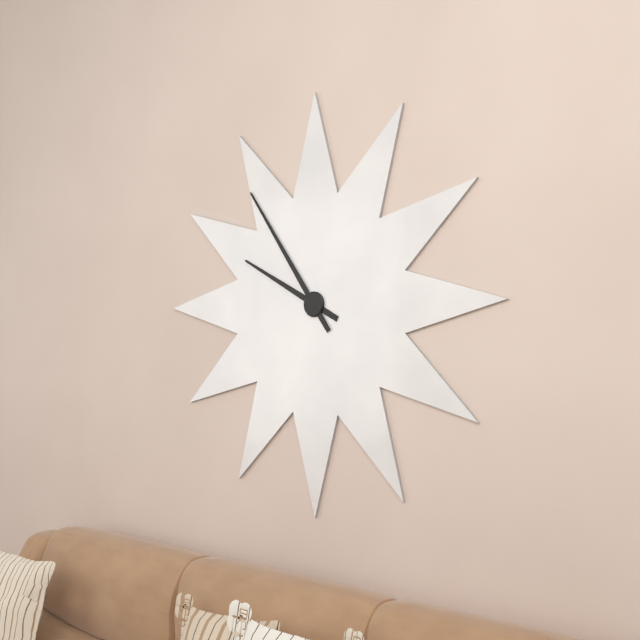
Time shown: h=9 m=54
